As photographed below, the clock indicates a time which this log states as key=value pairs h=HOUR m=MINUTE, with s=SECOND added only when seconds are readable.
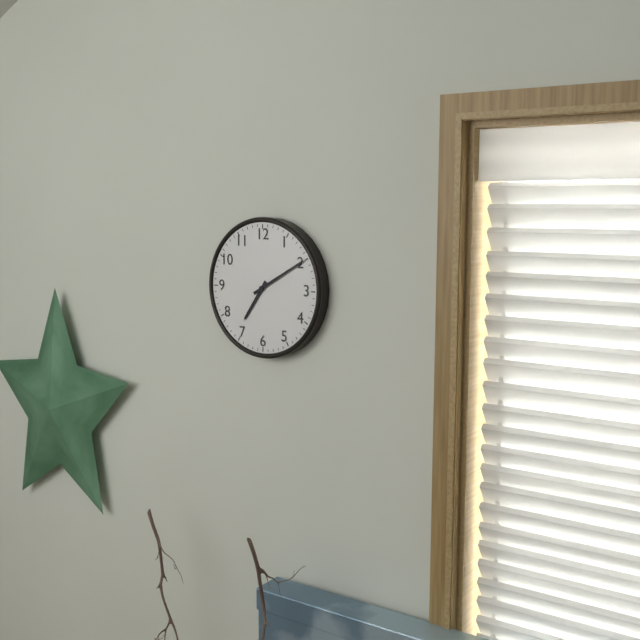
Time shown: h=7 m=10
